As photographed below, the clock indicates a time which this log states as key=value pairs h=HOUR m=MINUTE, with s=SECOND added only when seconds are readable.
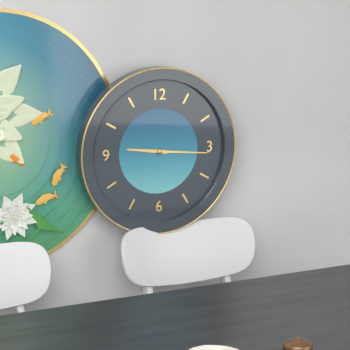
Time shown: h=9 m=16
